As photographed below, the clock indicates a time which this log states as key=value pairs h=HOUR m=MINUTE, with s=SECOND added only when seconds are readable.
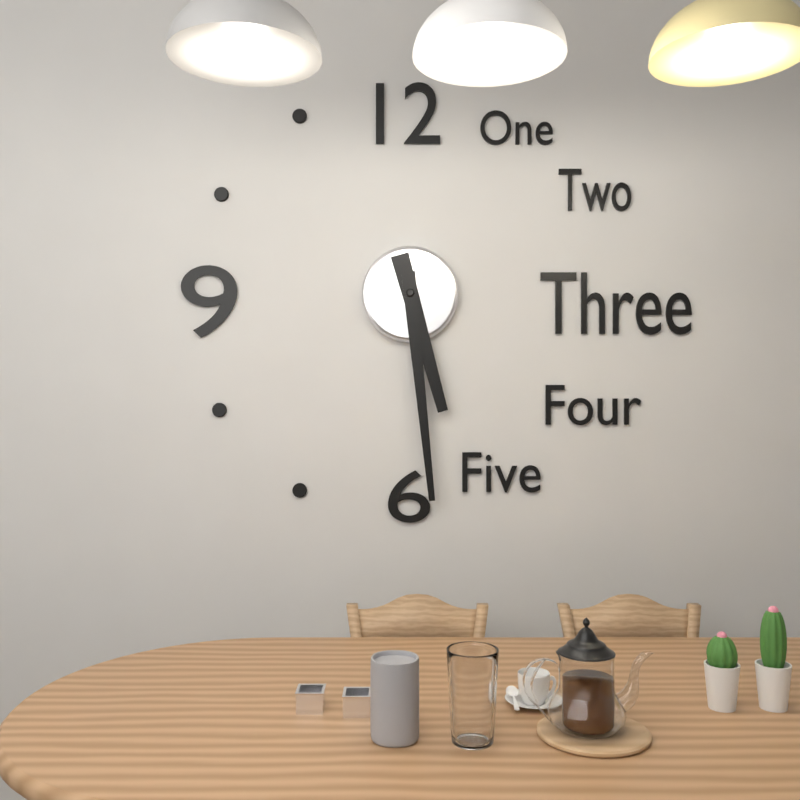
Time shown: h=5 m=29
